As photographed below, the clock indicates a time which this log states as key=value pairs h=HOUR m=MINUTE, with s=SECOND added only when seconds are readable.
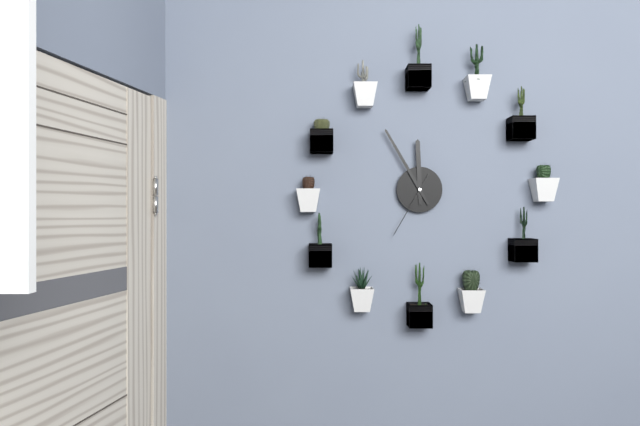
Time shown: h=11 m=55 s=35
